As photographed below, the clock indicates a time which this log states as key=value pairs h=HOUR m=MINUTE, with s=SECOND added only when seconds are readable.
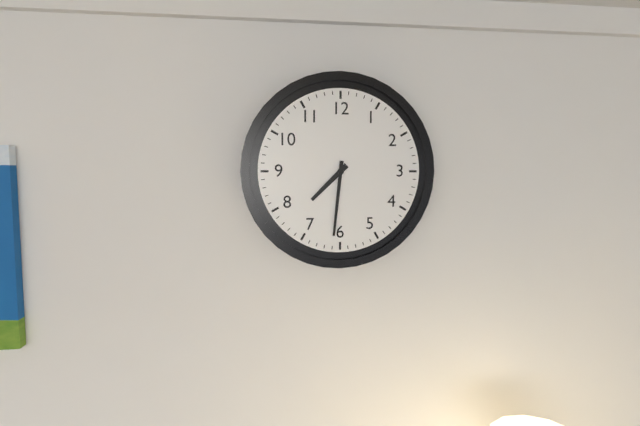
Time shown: h=7 m=31
